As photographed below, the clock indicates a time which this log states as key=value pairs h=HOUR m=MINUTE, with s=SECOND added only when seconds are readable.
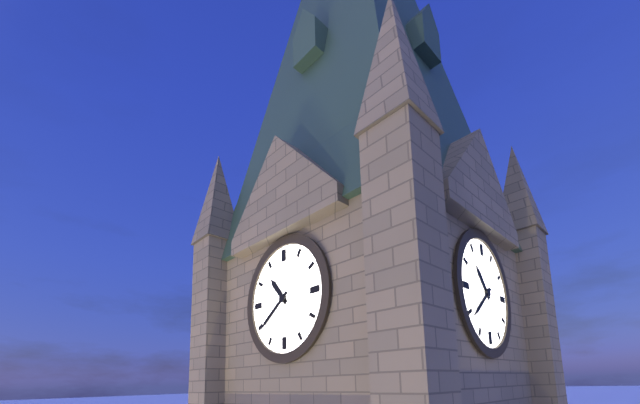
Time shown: h=10 m=39
